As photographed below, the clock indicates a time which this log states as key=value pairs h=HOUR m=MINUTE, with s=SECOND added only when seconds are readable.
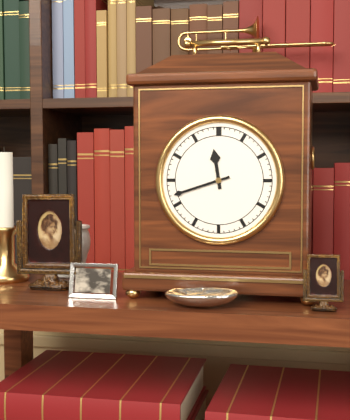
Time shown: h=11 m=42
